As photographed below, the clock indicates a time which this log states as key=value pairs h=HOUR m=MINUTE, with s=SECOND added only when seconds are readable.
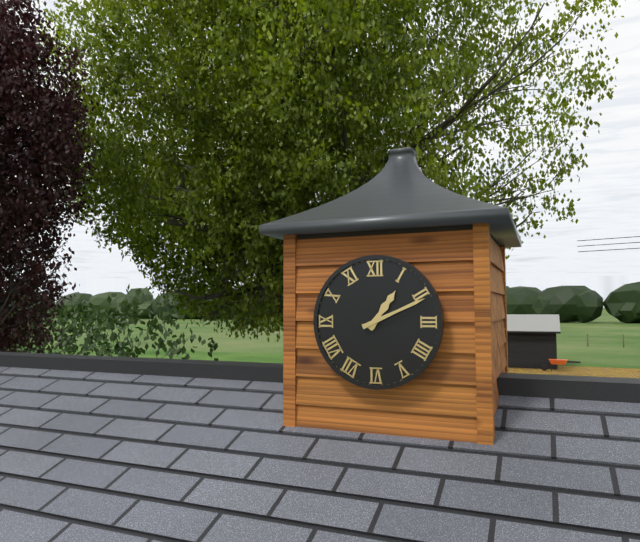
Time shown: h=1 m=11
